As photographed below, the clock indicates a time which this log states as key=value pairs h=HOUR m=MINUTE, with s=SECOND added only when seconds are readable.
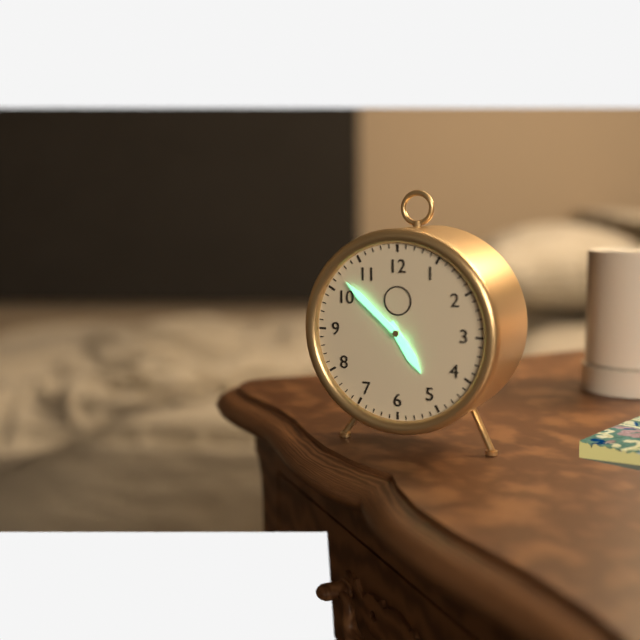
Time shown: h=4 m=52
